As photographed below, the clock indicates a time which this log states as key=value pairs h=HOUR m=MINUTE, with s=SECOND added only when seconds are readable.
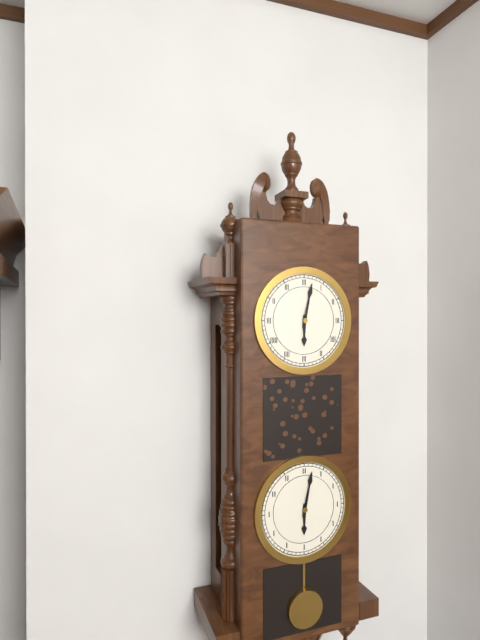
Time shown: h=6 m=2
